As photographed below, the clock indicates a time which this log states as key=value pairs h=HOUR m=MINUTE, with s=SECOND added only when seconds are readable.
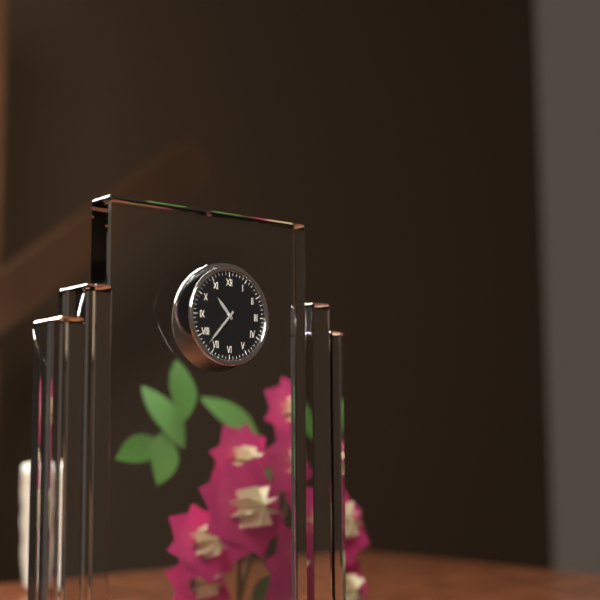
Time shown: h=10 m=37
